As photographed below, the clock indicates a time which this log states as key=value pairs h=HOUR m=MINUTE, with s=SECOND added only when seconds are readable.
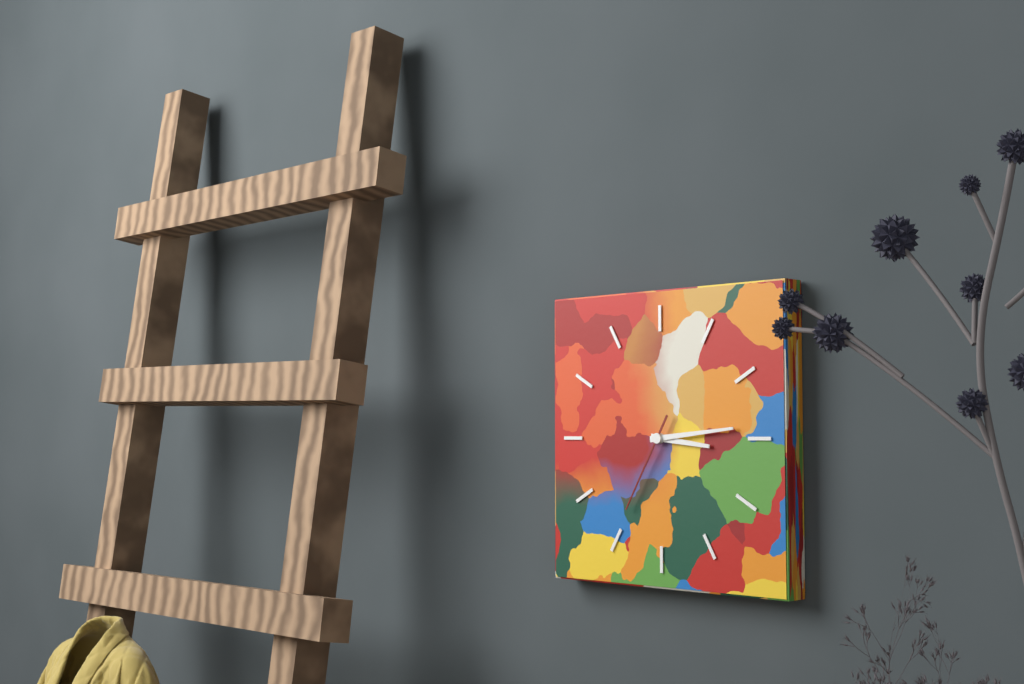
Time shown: h=3 m=14 s=35
